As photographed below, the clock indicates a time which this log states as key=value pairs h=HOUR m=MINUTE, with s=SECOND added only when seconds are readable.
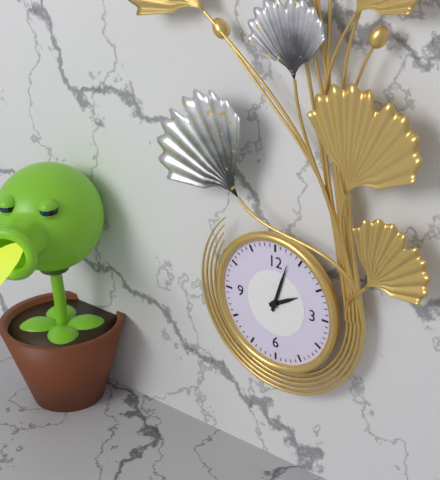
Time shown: h=2 m=3
